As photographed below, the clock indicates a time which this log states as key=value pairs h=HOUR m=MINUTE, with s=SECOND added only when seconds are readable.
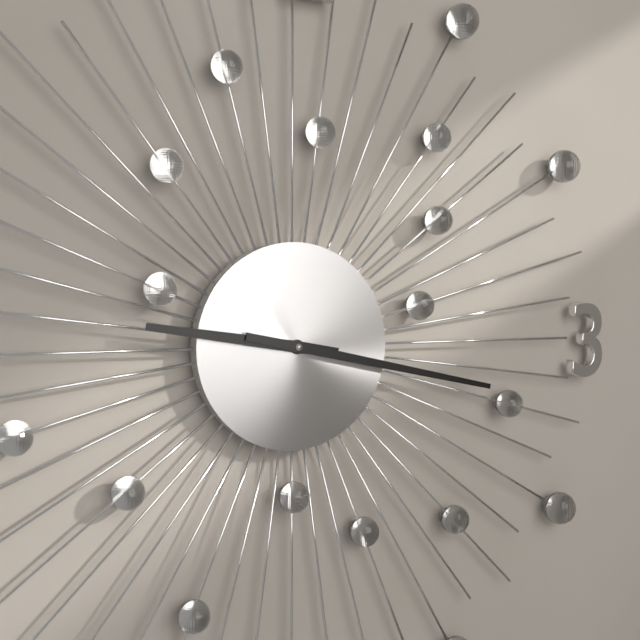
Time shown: h=9 m=17
